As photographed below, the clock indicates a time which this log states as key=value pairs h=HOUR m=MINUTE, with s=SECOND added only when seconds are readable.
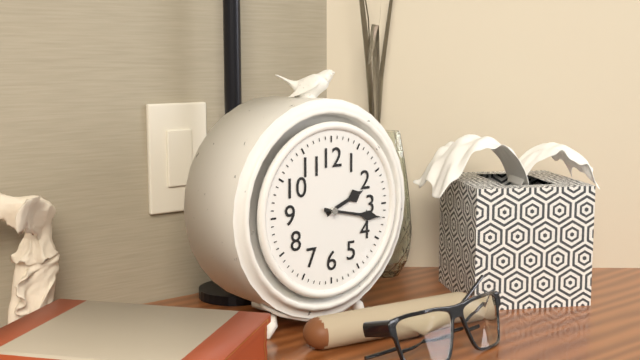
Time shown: h=2 m=17
